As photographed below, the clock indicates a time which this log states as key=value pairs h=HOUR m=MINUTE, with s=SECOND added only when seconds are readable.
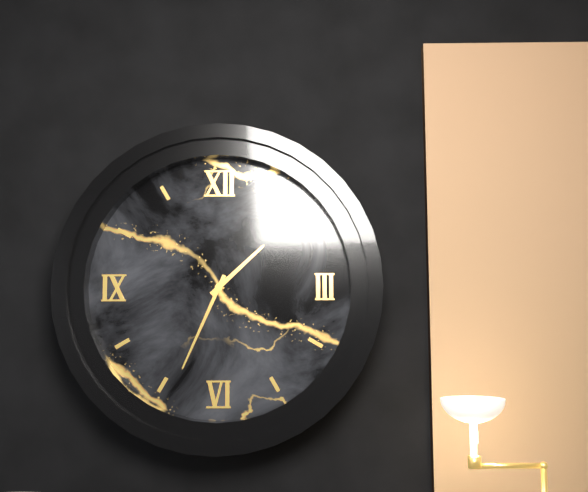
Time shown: h=1 m=34
